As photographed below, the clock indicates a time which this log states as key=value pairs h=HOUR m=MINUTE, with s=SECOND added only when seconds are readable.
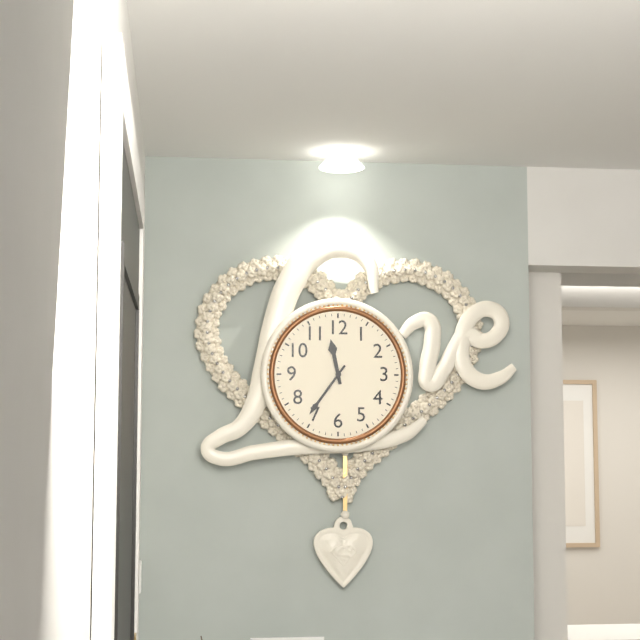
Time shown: h=11 m=36
